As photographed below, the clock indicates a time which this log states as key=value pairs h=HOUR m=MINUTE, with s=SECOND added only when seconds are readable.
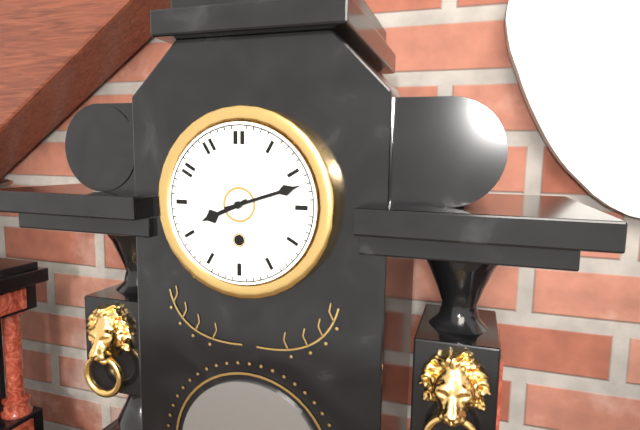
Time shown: h=8 m=12
